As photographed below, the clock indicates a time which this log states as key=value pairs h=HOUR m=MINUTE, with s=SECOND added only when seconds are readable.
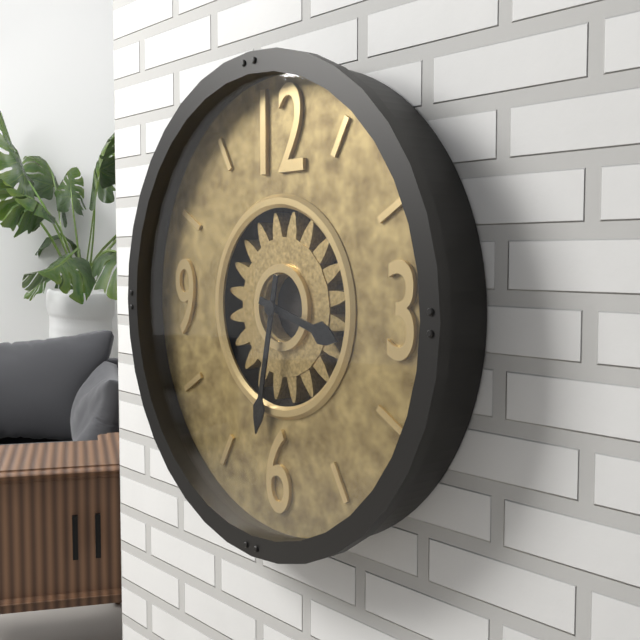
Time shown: h=3 m=32
